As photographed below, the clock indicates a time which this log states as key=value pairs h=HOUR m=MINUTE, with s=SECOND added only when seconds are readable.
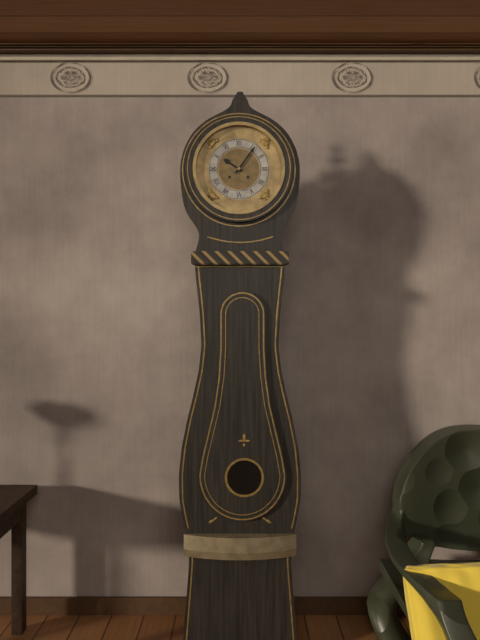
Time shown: h=10 m=6
